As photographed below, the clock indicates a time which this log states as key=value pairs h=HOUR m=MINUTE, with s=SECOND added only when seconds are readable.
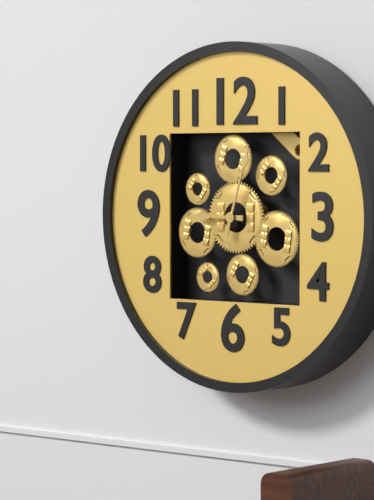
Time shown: h=9 m=3
